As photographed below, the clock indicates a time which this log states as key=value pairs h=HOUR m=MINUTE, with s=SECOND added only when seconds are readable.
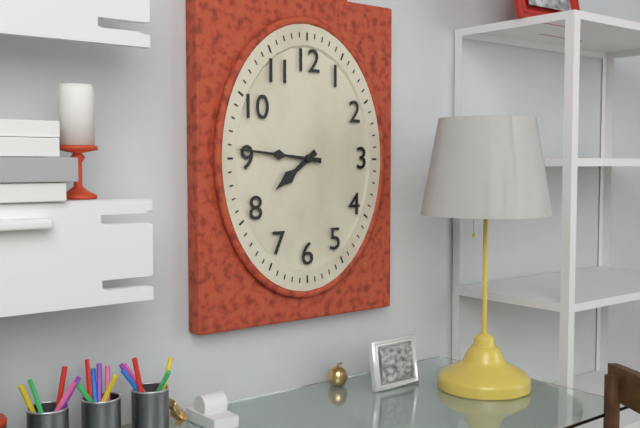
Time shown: h=7 m=46
